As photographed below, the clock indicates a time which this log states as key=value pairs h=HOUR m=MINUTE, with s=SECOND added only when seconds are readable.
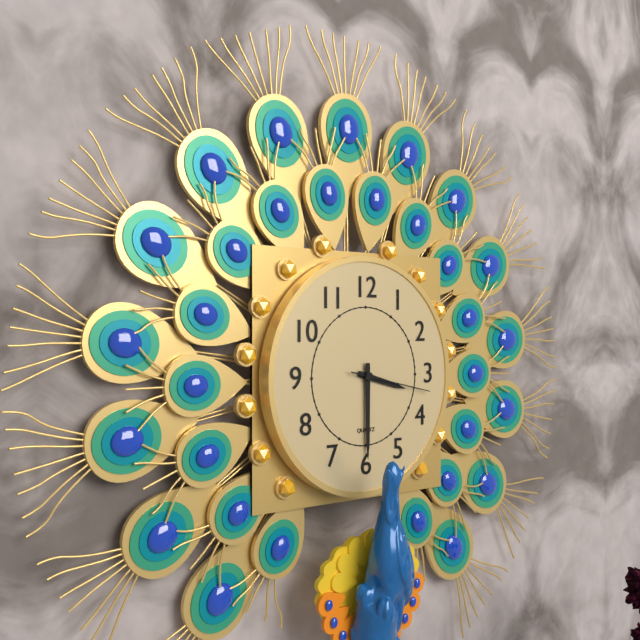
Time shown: h=3 m=30 s=17
